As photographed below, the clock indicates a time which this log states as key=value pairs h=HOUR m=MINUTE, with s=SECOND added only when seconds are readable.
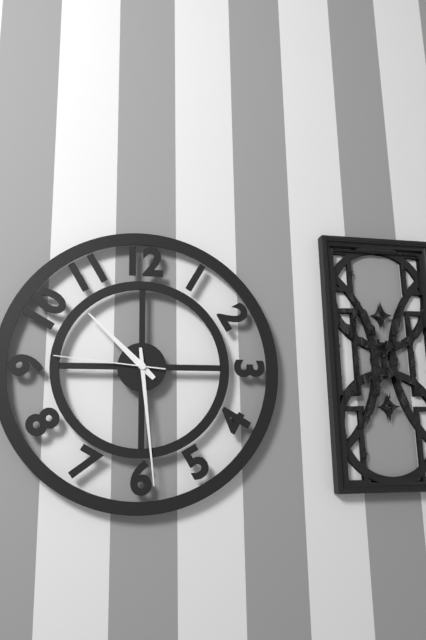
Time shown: h=10 m=29 s=46
